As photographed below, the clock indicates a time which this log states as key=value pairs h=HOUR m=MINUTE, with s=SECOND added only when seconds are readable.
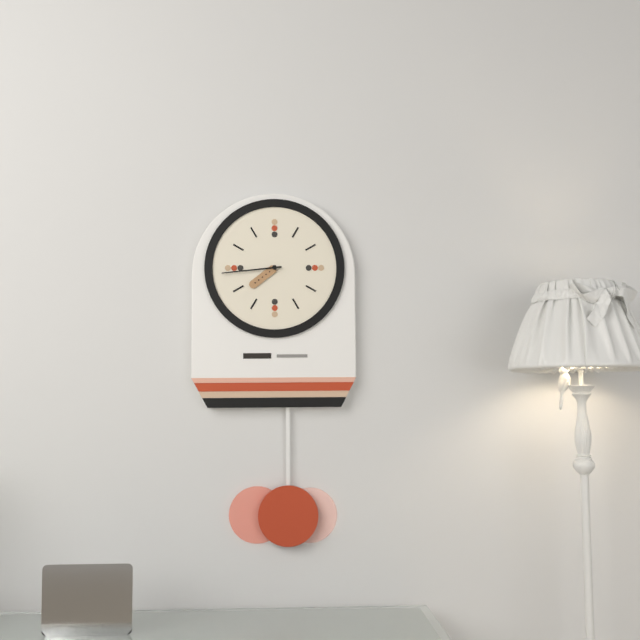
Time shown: h=7 m=44
